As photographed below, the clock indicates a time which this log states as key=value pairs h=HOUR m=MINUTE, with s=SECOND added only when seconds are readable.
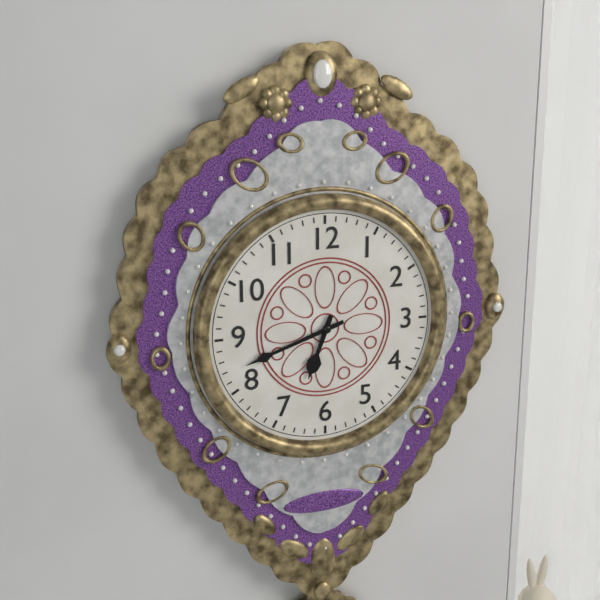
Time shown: h=6 m=42
